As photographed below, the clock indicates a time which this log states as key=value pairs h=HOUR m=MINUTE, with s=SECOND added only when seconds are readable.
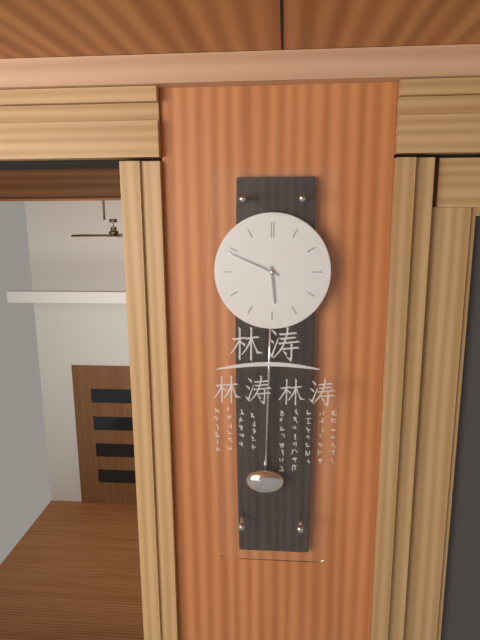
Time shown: h=5 m=49
